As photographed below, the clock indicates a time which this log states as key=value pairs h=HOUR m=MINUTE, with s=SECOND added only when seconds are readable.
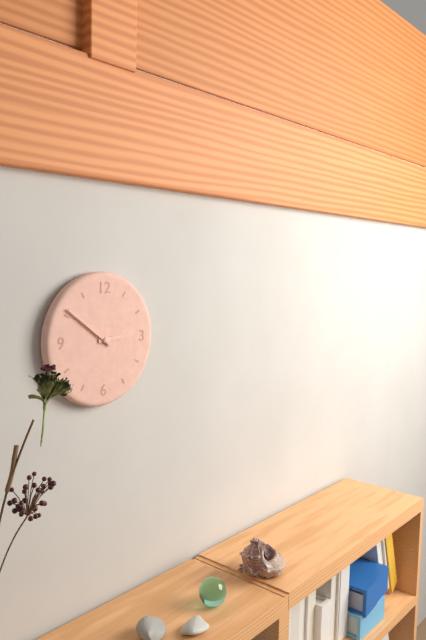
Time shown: h=2 m=51
